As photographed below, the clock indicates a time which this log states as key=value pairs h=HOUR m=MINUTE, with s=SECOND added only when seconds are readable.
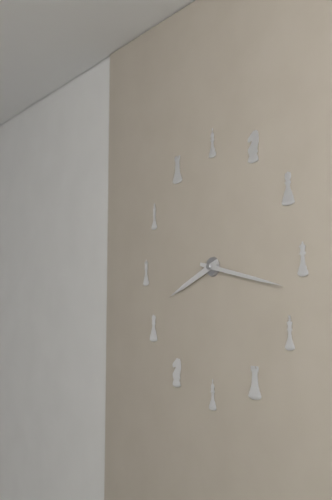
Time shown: h=8 m=17
